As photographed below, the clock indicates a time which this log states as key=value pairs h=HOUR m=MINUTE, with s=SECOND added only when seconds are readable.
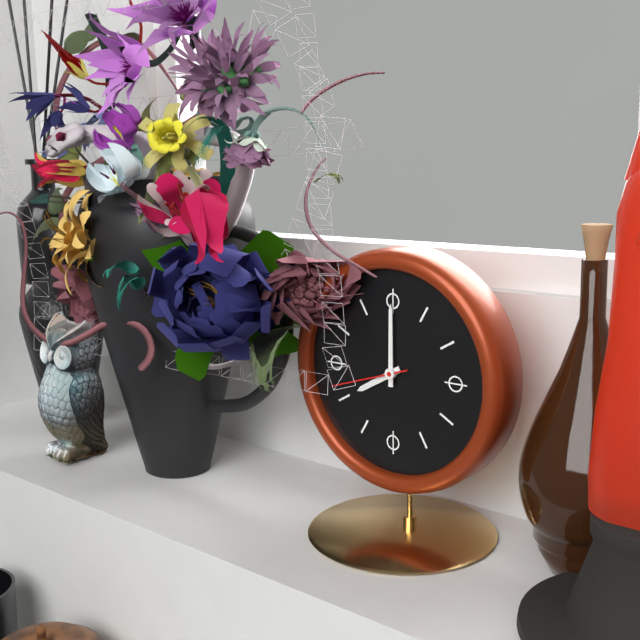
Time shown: h=8 m=0 s=42
